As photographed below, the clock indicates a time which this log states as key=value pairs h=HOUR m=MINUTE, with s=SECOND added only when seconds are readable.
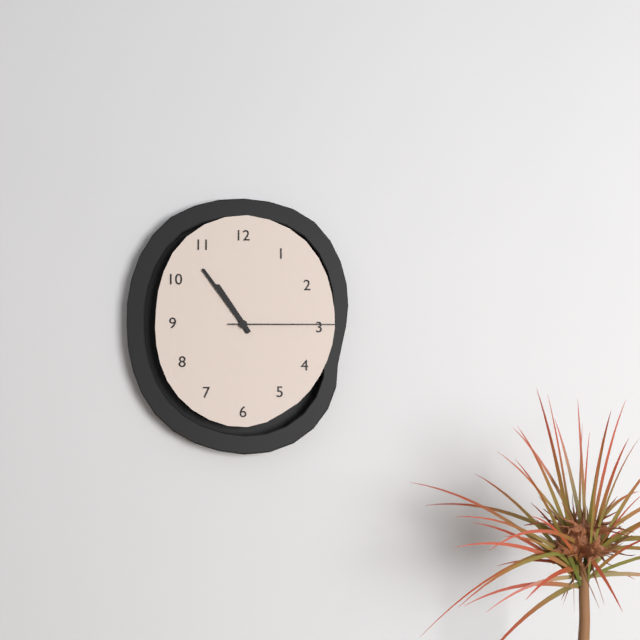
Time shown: h=10 m=54 s=15
